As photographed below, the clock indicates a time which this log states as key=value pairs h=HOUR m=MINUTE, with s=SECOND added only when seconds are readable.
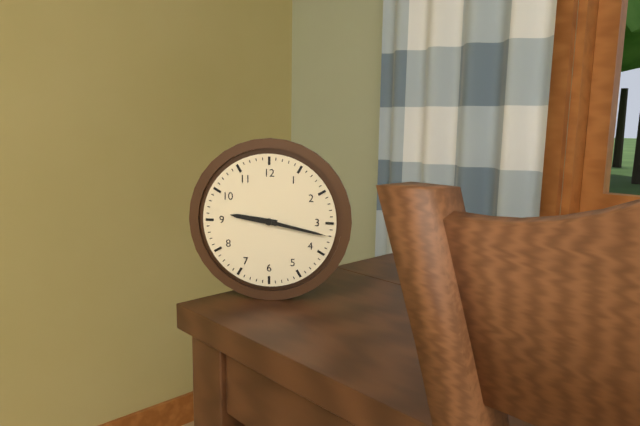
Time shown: h=9 m=17
